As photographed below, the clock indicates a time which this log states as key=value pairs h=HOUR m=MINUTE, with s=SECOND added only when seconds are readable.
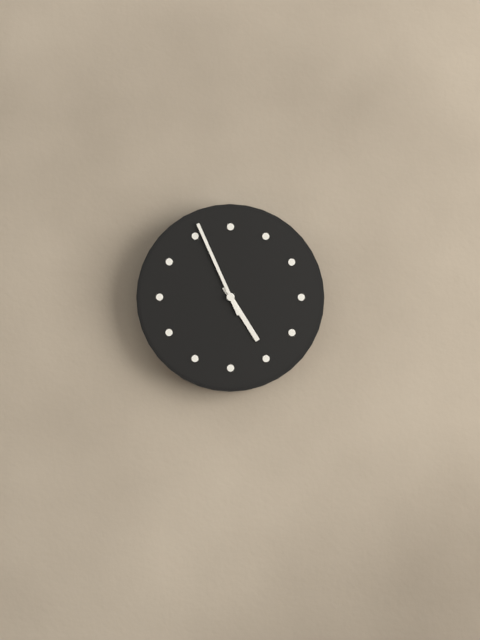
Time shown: h=4 m=56
